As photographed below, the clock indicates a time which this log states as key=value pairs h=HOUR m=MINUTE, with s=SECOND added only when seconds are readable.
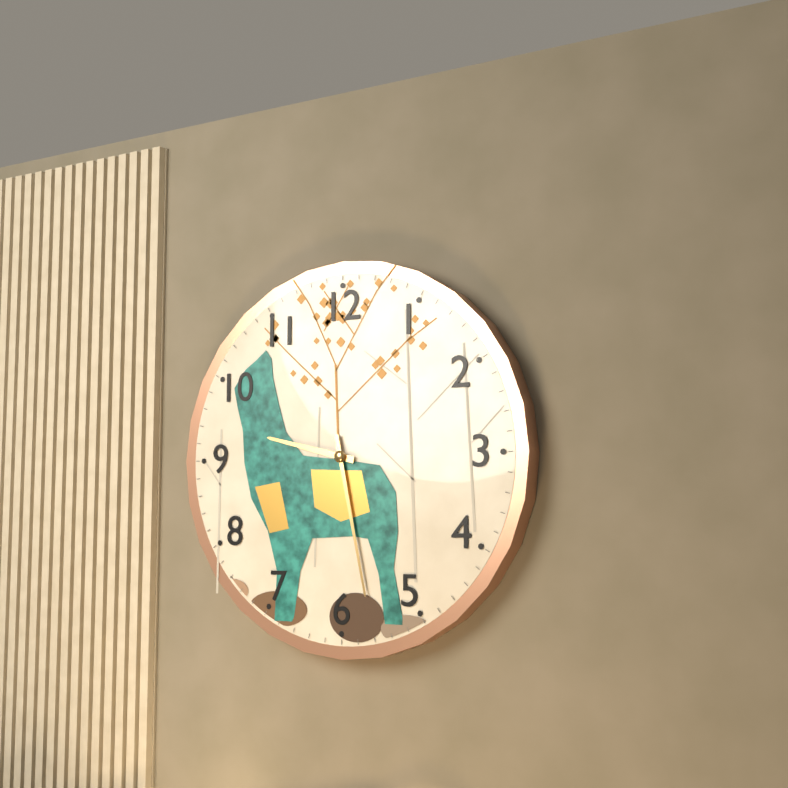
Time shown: h=9 m=28
